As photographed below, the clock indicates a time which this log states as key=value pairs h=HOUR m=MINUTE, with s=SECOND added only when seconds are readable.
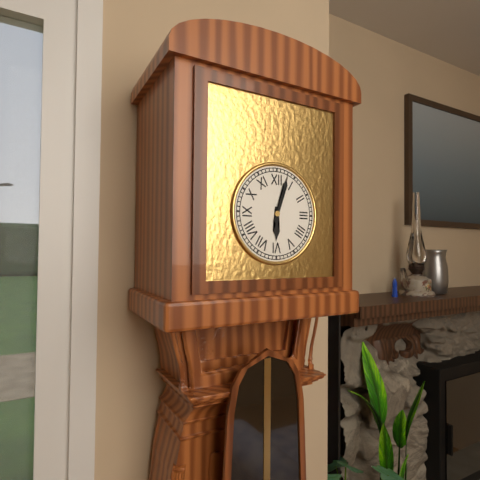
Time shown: h=6 m=3
